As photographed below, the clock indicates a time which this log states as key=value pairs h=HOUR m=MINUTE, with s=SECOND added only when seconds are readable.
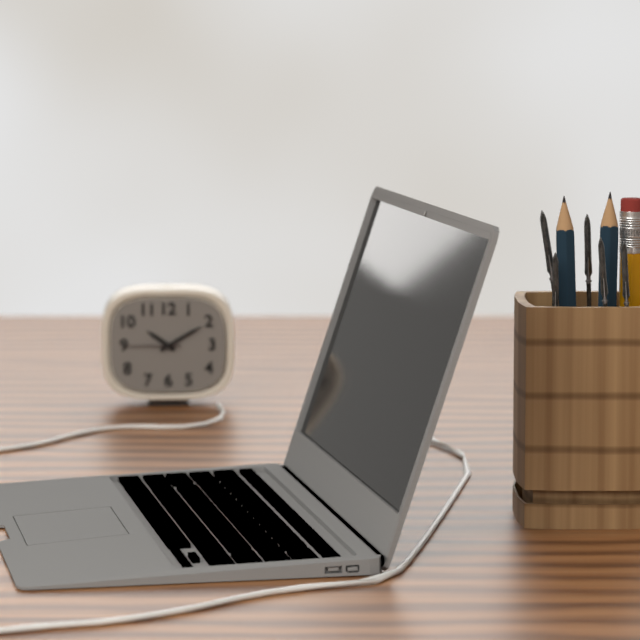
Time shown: h=10 m=10 s=45
